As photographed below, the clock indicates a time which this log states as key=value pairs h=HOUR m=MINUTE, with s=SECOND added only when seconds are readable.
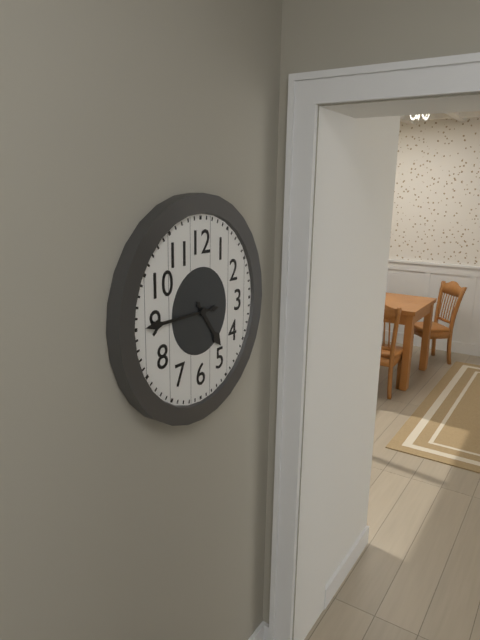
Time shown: h=4 m=45
